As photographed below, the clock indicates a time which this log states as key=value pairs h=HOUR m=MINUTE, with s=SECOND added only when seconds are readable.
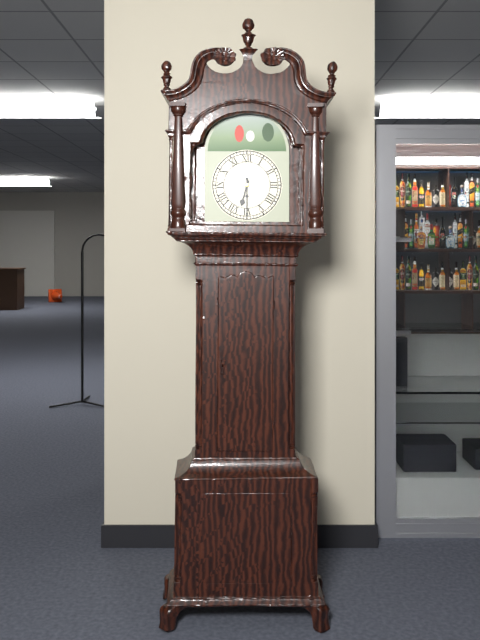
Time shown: h=6 m=30
